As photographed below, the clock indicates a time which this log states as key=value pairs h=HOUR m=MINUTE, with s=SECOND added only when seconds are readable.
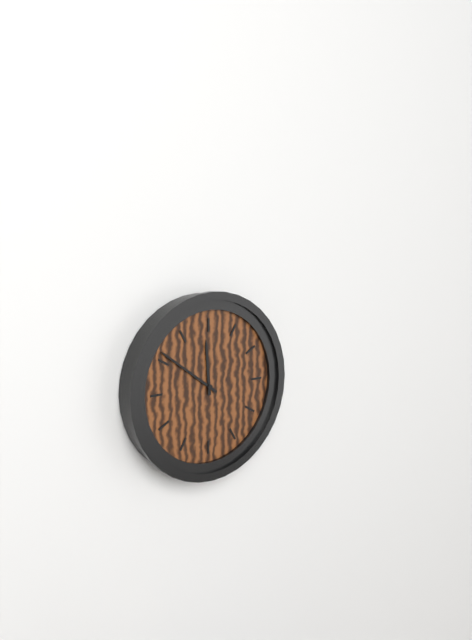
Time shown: h=11 m=51
